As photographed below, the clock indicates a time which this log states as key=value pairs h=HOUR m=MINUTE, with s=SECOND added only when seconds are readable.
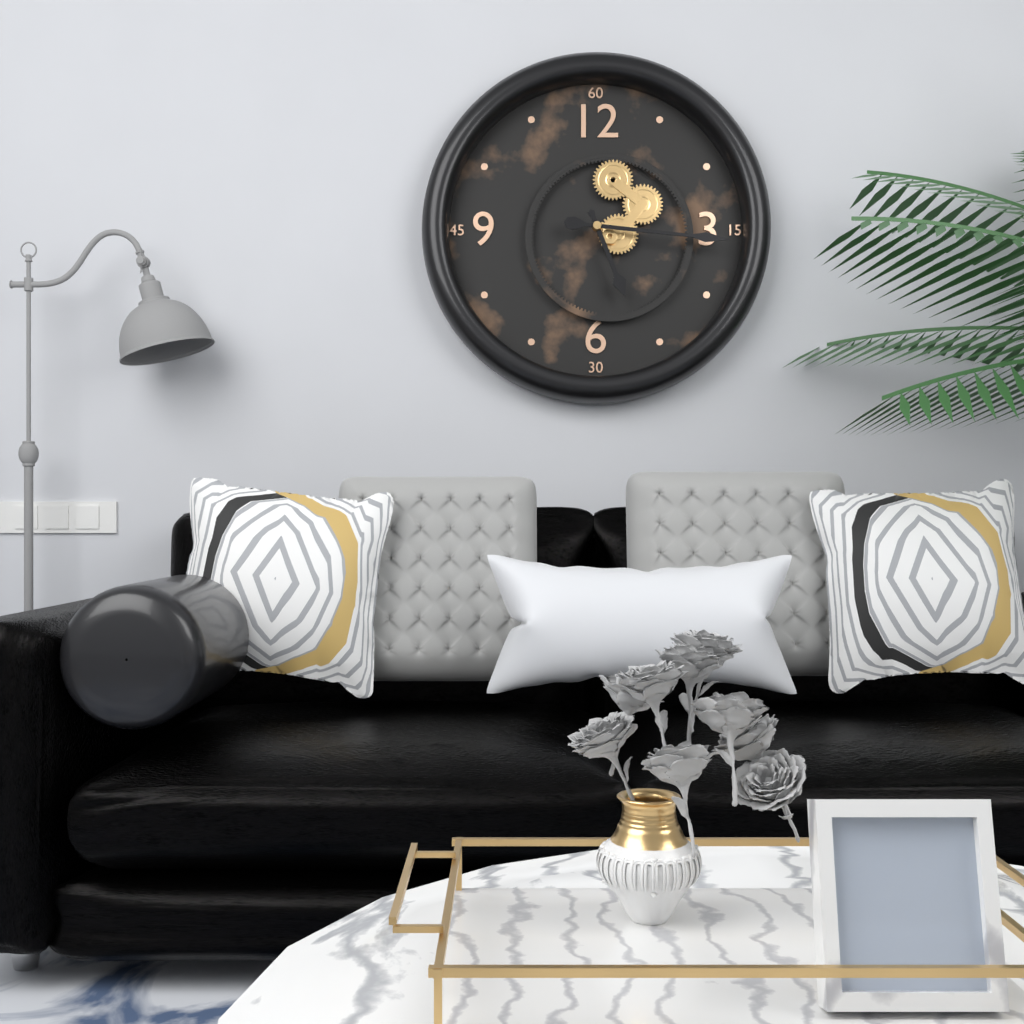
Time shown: h=5 m=16
